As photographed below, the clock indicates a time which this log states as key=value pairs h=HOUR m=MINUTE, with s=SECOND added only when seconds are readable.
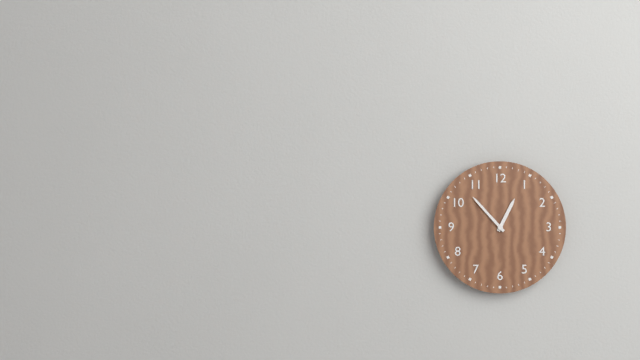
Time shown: h=12 m=53
